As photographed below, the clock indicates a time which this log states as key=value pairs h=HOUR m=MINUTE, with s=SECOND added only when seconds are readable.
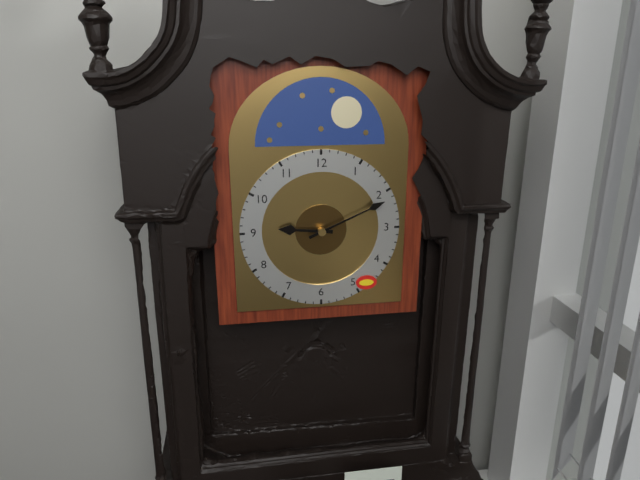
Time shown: h=9 m=11
